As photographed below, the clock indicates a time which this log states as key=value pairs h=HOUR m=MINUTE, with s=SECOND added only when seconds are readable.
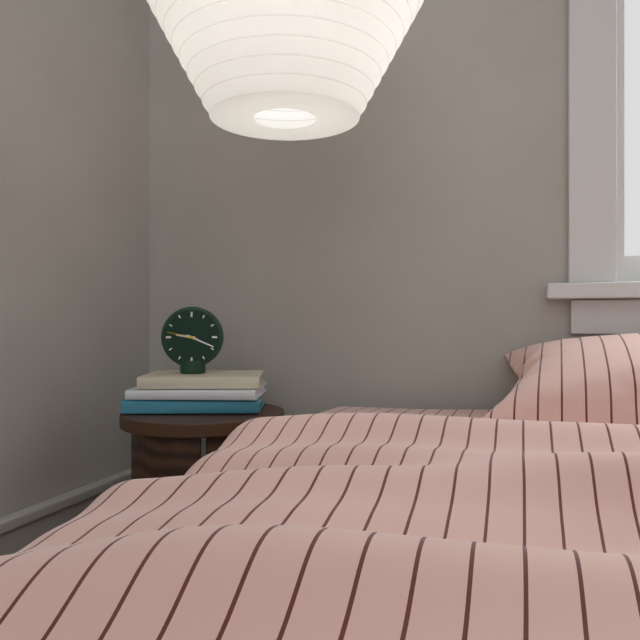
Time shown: h=9 m=19
